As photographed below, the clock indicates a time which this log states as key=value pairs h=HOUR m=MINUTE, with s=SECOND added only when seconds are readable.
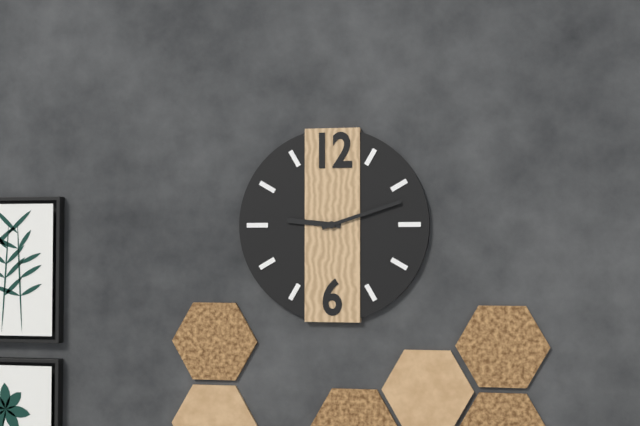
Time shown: h=9 m=12
